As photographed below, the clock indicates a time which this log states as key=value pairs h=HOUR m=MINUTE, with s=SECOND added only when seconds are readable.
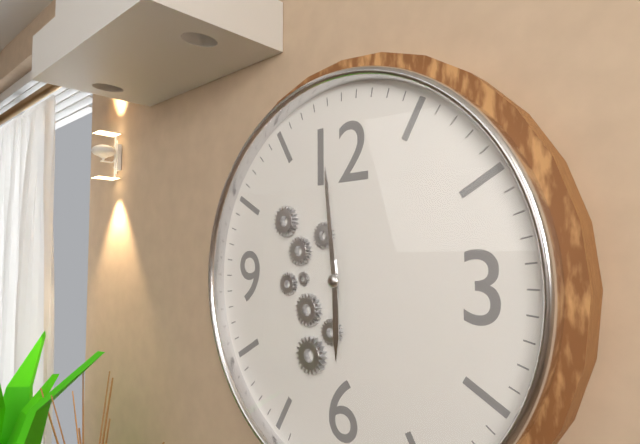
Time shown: h=5 m=59
